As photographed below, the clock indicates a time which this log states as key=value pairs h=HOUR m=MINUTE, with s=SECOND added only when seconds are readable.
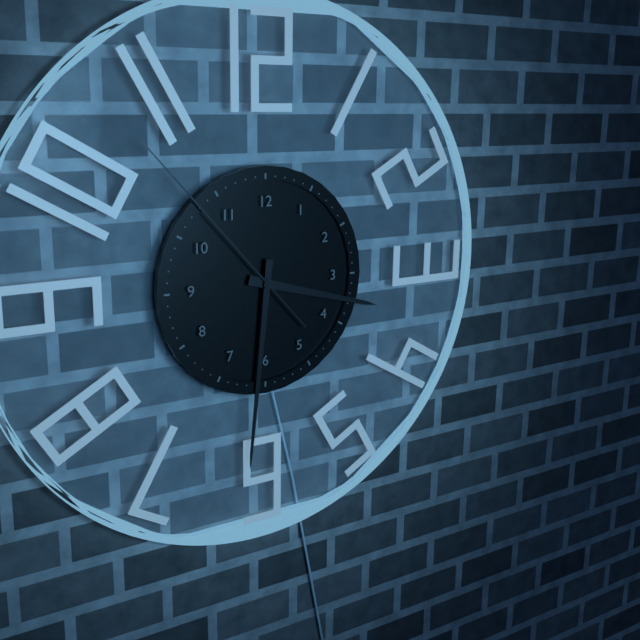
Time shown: h=3 m=31 s=53
